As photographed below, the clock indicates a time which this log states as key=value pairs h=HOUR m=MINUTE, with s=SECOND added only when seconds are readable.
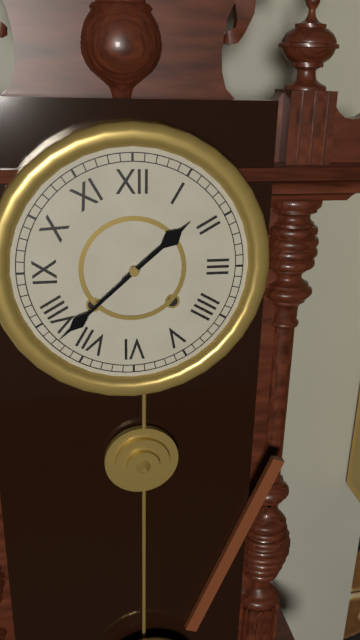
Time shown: h=1 m=38
